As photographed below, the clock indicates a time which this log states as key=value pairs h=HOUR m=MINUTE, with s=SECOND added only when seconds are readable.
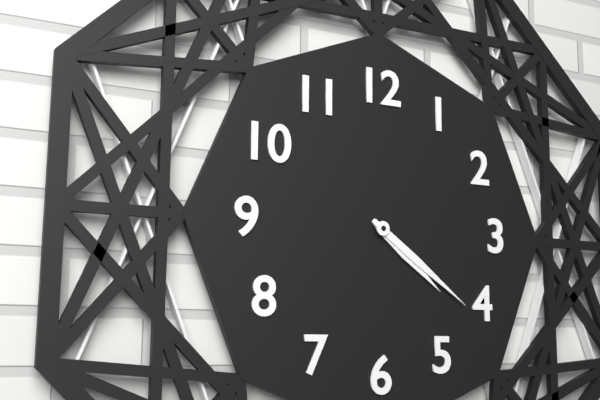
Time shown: h=4 m=21
